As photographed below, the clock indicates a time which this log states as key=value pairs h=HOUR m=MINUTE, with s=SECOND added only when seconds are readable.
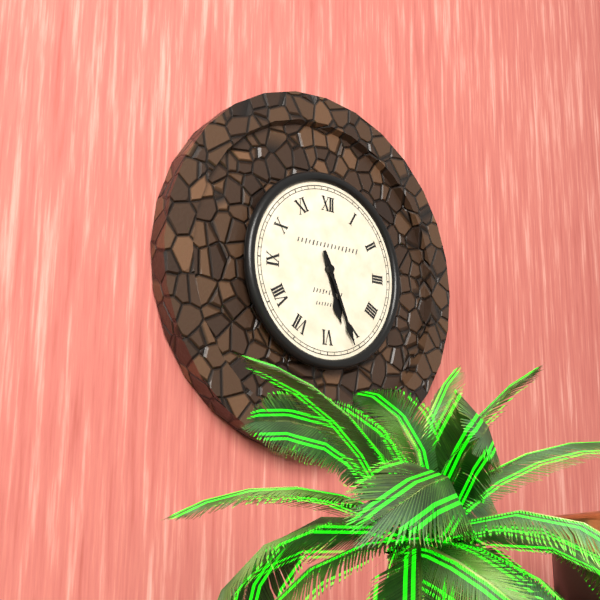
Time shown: h=5 m=26
